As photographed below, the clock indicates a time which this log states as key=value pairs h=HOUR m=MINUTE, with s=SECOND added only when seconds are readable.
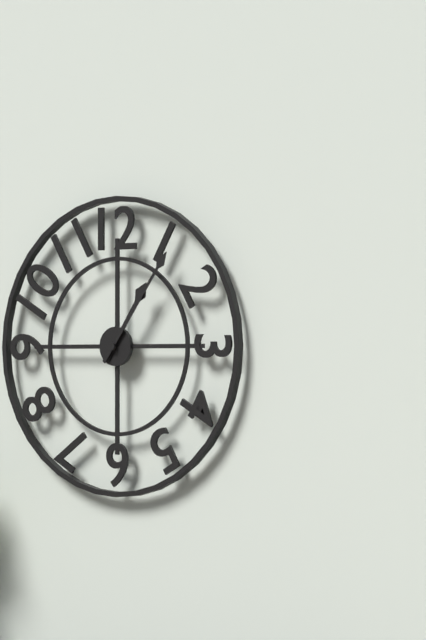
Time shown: h=1 m=6
